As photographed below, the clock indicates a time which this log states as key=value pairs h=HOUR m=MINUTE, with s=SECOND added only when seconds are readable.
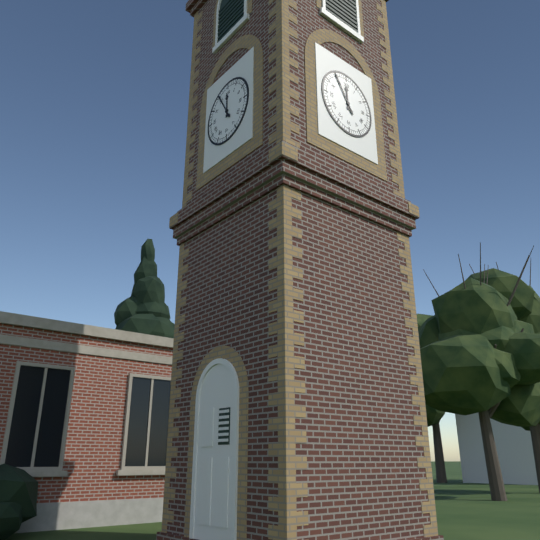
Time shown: h=11 m=55
